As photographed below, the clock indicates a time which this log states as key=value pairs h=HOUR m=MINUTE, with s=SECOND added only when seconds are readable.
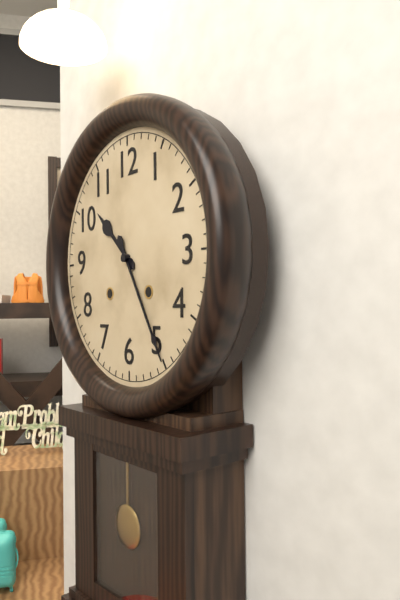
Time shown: h=10 m=25
